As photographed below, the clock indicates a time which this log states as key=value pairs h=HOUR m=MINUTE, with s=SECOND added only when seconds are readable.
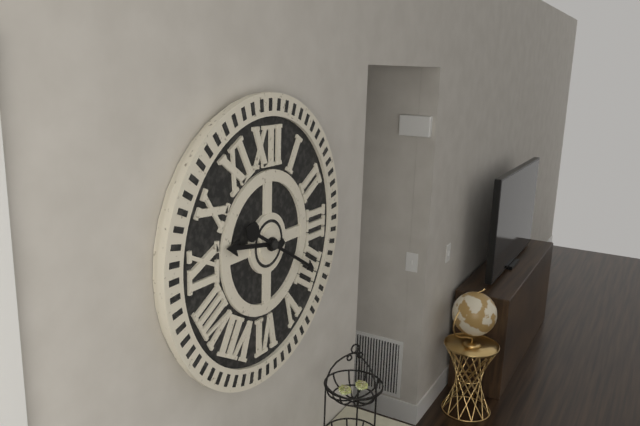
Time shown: h=9 m=20
